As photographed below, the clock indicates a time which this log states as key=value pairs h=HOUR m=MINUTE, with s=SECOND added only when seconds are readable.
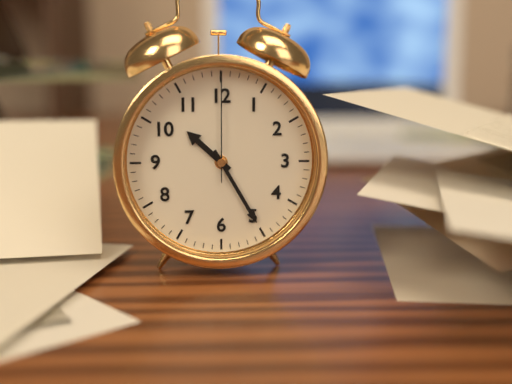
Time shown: h=10 m=25 s=0
